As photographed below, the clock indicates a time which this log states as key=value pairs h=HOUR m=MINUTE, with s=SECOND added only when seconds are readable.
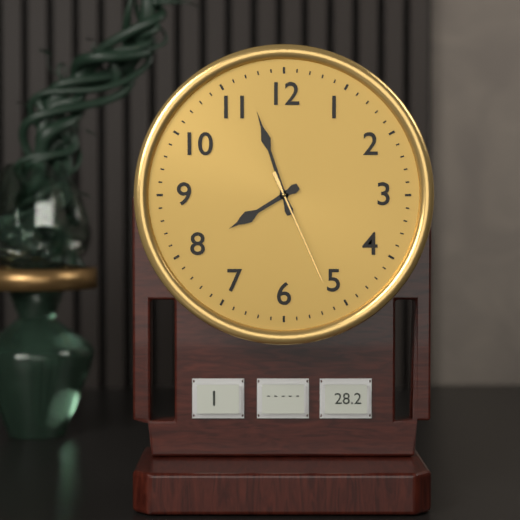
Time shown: h=7 m=57 s=26
